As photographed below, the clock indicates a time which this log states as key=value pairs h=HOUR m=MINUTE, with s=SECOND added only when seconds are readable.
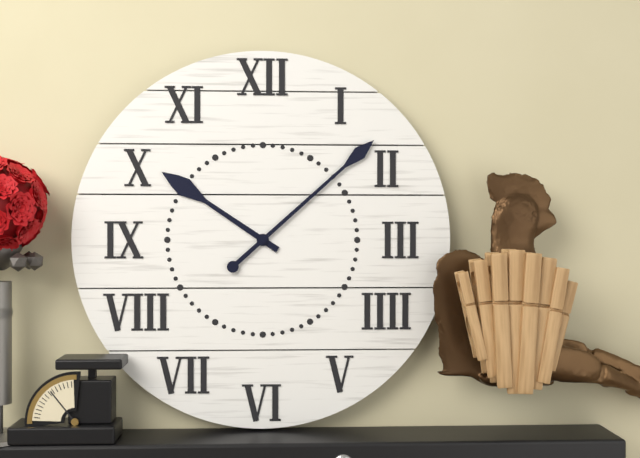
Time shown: h=10 m=8
